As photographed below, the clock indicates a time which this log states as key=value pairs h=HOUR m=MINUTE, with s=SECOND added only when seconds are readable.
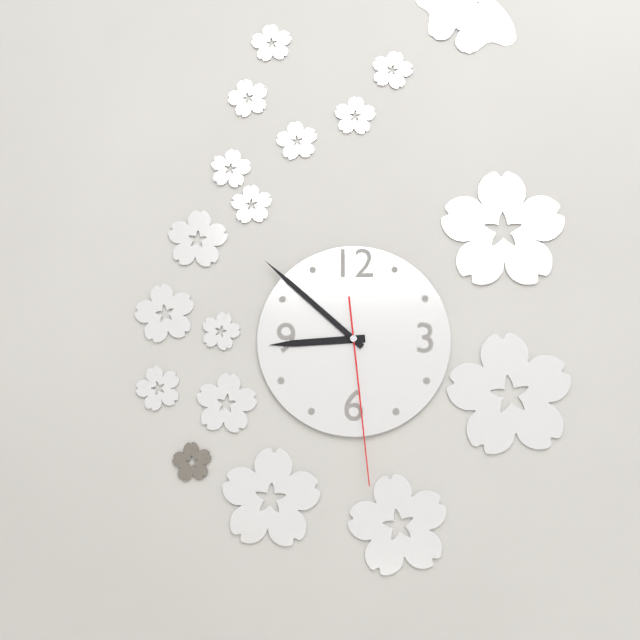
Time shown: h=8 m=52 s=29
